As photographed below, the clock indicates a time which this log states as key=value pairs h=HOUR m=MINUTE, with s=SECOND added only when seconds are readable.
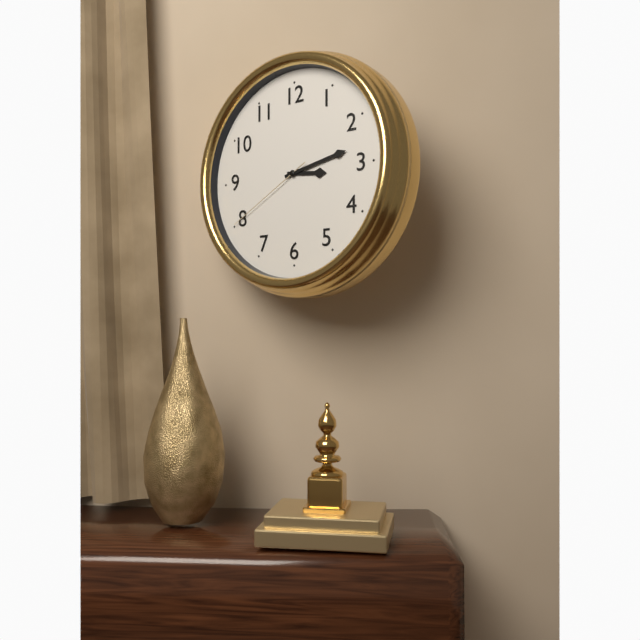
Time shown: h=3 m=13 s=40
